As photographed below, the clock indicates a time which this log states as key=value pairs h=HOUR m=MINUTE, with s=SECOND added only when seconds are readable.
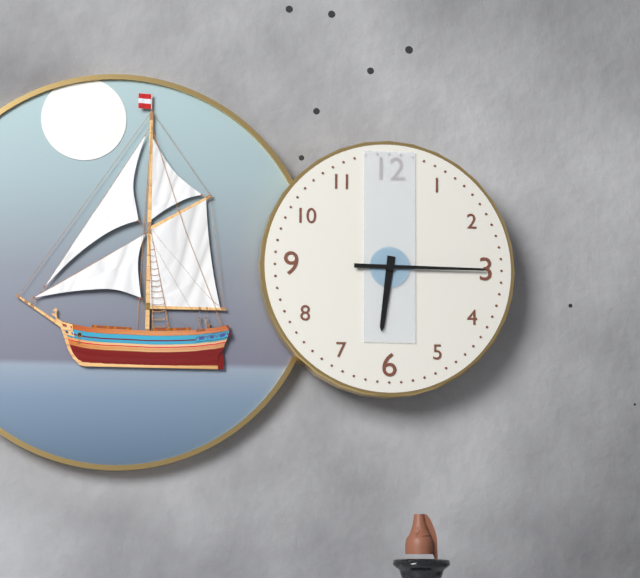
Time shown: h=6 m=15
